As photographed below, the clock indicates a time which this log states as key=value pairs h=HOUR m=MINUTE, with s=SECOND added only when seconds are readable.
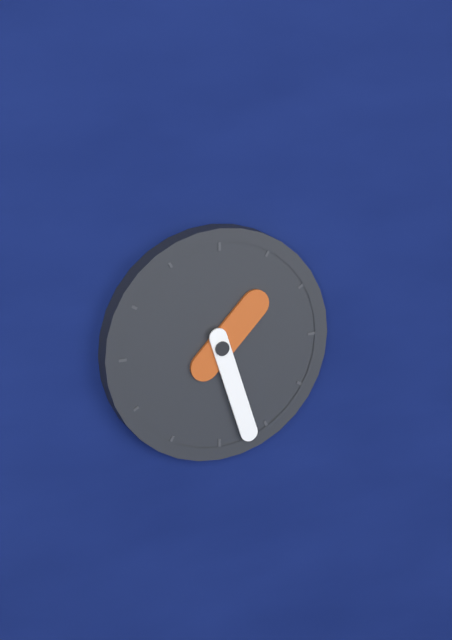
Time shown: h=1 m=27
